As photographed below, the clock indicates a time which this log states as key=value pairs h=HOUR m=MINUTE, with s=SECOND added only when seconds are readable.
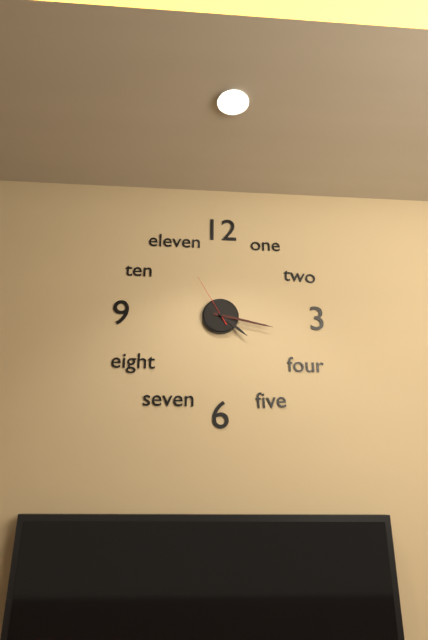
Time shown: h=4 m=17 s=55
